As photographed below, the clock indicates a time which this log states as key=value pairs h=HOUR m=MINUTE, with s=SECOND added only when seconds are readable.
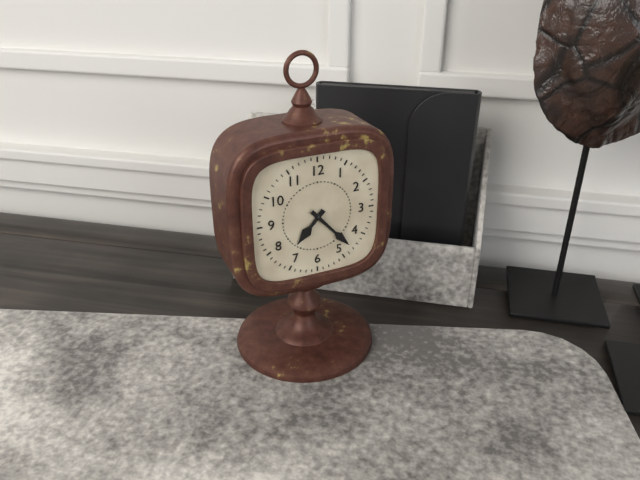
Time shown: h=7 m=23
